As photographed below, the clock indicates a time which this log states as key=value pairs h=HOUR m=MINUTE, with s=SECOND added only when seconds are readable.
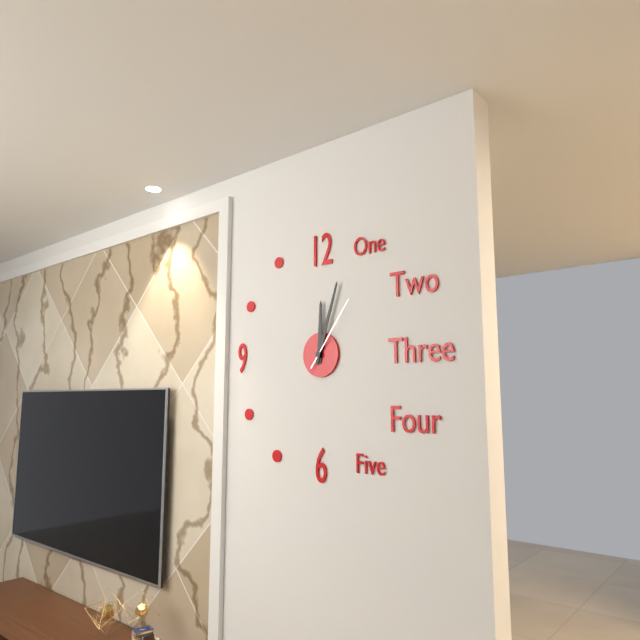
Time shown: h=12 m=3 s=6
